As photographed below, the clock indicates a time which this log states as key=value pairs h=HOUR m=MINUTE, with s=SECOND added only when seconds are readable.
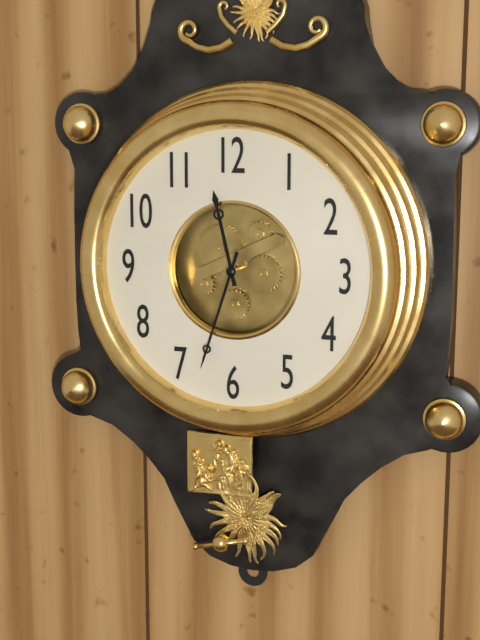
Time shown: h=11 m=33
